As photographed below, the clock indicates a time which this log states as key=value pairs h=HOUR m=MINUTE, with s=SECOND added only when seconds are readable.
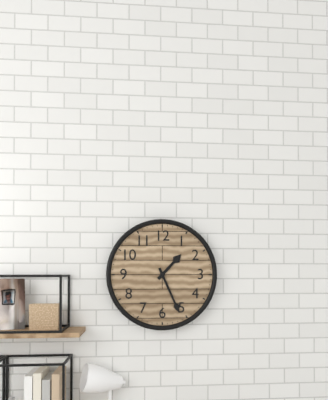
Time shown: h=1 m=26
